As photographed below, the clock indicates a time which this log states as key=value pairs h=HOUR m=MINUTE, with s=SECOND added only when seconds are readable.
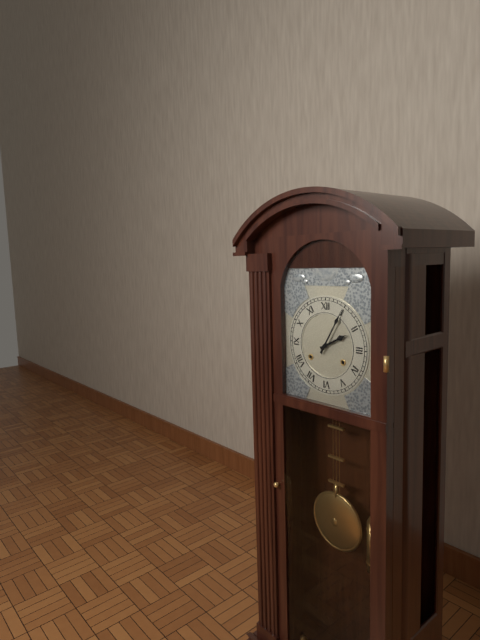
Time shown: h=2 m=5
